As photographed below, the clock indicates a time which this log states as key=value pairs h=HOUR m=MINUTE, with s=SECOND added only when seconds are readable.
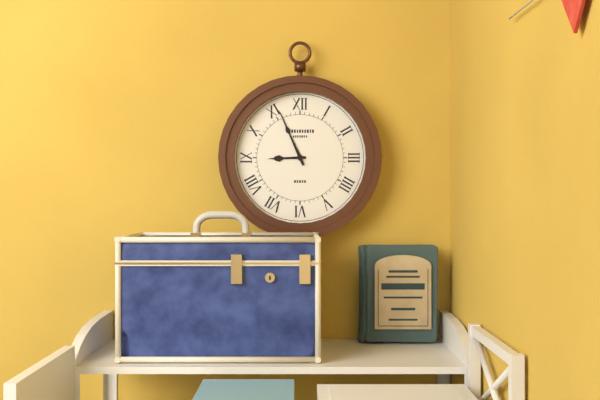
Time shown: h=8 m=56
